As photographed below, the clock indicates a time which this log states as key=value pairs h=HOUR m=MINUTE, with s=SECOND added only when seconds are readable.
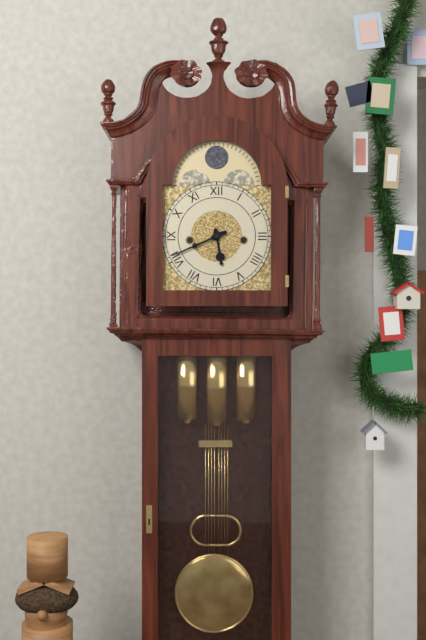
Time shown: h=5 m=41
